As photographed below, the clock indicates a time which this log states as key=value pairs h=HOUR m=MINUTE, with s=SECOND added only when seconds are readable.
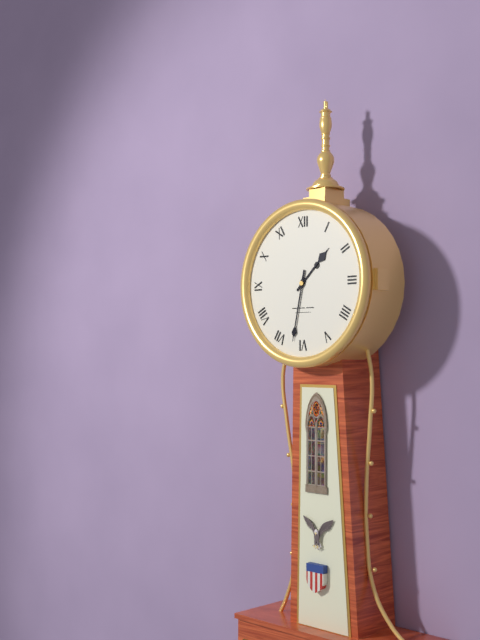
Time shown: h=1 m=32
